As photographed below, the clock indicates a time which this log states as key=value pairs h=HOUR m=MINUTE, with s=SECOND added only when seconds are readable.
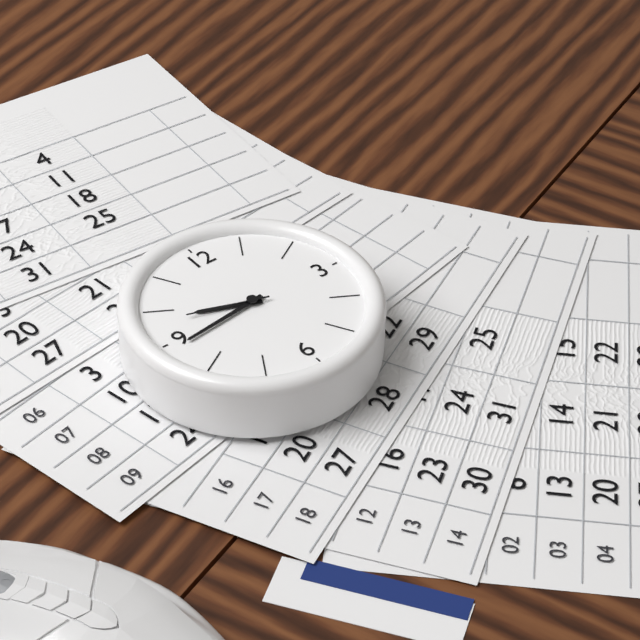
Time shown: h=9 m=44 s=48
